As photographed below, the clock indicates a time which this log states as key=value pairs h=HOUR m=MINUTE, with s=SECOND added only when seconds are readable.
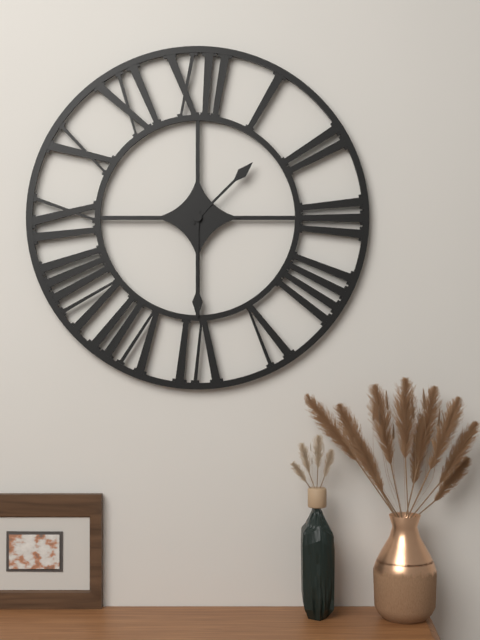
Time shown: h=1 m=30
